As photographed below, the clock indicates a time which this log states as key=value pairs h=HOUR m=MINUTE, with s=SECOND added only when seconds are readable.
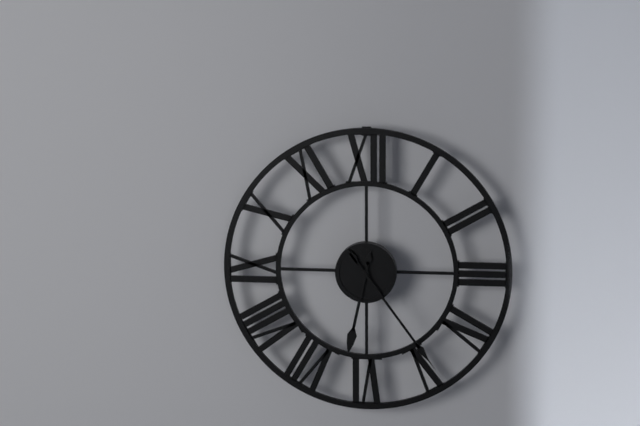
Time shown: h=6 m=24
